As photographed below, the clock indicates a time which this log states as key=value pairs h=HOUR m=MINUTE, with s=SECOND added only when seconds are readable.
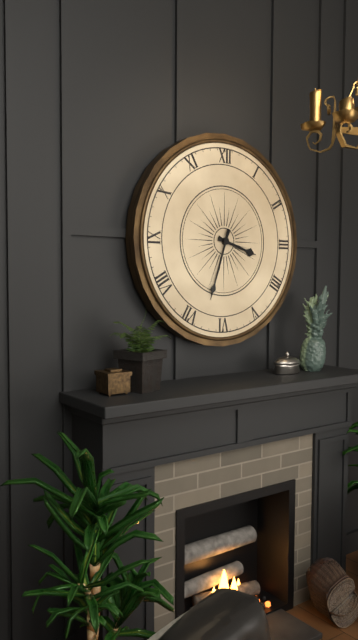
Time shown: h=3 m=33
